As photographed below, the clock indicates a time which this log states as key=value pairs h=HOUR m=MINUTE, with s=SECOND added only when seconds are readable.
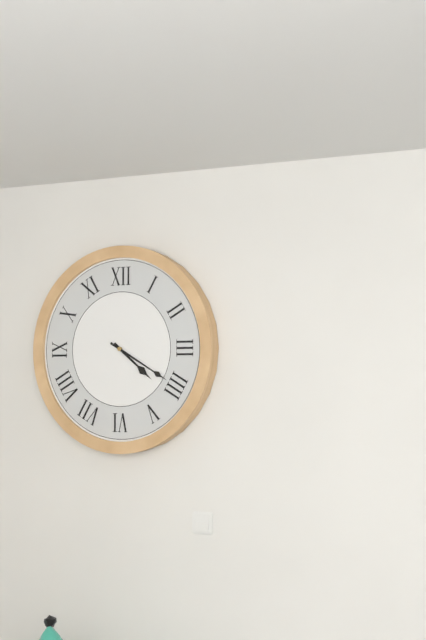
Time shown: h=4 m=20
